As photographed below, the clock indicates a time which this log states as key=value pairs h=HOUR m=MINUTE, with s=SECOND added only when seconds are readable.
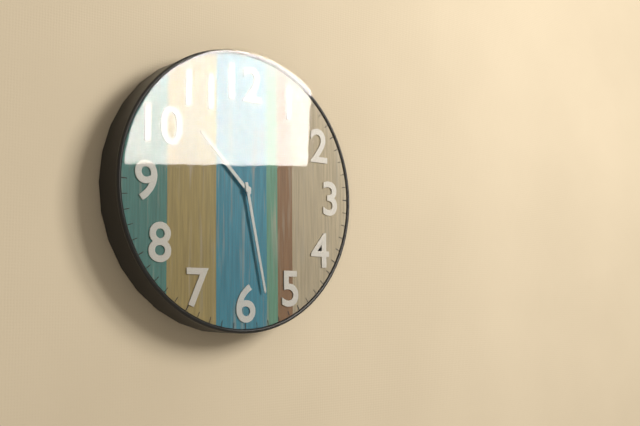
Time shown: h=10 m=28
